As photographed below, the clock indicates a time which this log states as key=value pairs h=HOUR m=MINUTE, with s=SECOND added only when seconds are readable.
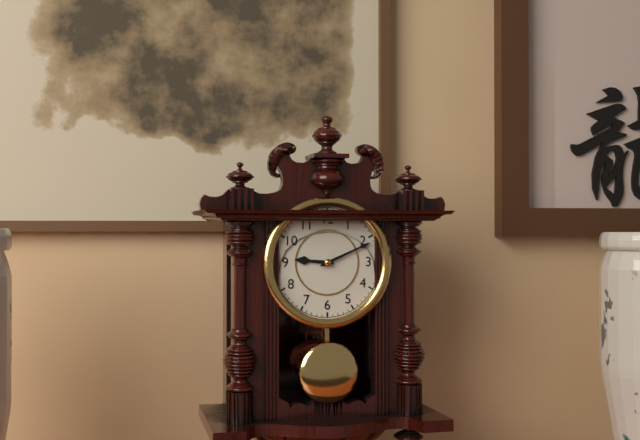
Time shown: h=9 m=11
